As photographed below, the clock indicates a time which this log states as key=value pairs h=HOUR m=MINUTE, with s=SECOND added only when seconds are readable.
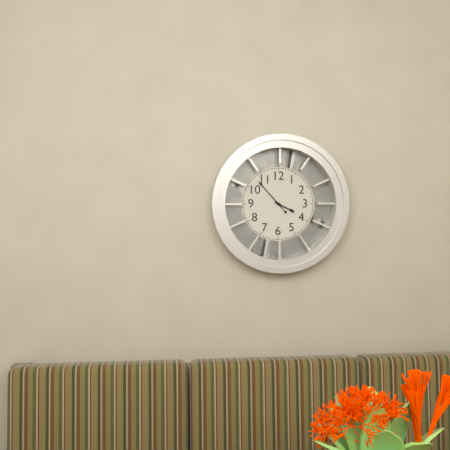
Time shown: h=3 m=53
